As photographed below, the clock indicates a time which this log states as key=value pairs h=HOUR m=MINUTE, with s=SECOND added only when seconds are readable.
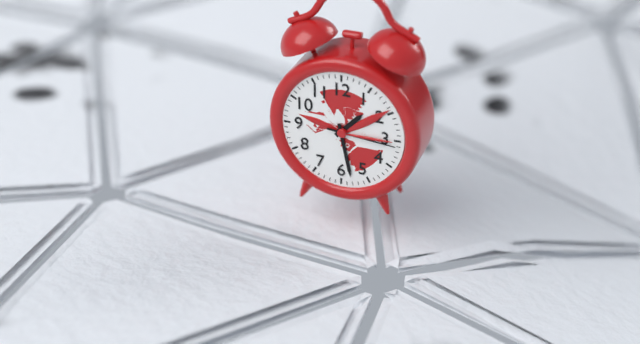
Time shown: h=1 m=28 s=16
